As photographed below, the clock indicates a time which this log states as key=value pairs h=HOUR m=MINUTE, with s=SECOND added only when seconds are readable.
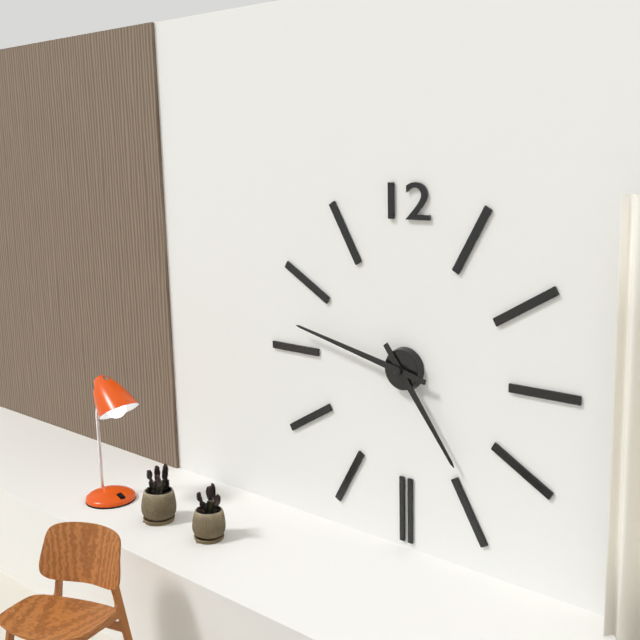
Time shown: h=4 m=47
